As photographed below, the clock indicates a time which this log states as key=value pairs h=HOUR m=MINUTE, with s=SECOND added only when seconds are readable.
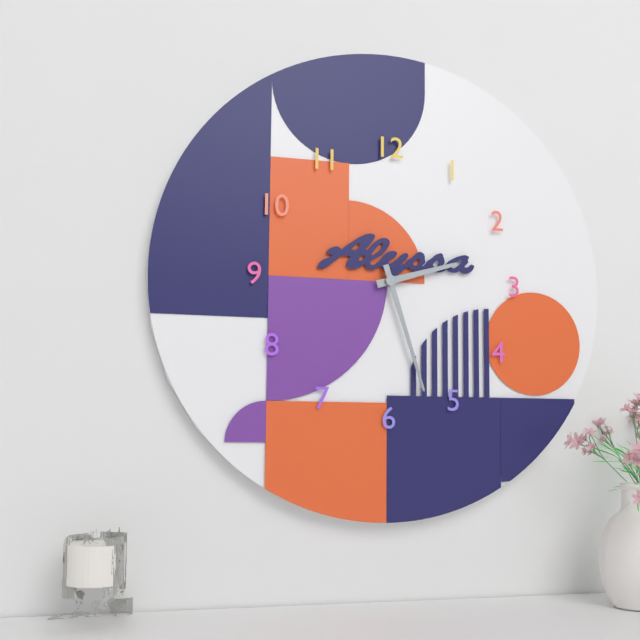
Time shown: h=2 m=27
